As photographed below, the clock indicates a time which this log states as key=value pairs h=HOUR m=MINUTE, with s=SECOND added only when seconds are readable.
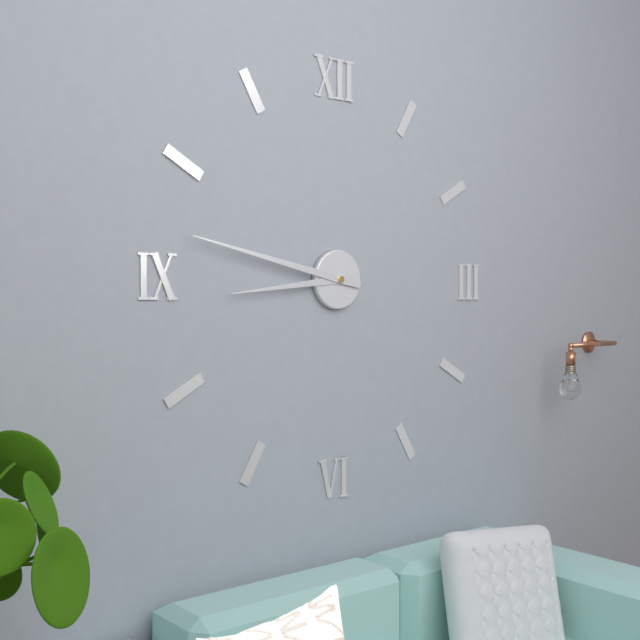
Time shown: h=8 m=47
